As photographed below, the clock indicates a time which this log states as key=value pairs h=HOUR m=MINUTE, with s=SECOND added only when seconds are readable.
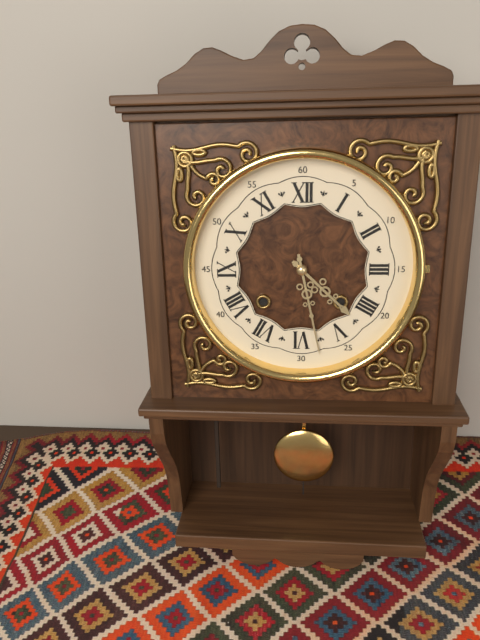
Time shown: h=4 m=28
